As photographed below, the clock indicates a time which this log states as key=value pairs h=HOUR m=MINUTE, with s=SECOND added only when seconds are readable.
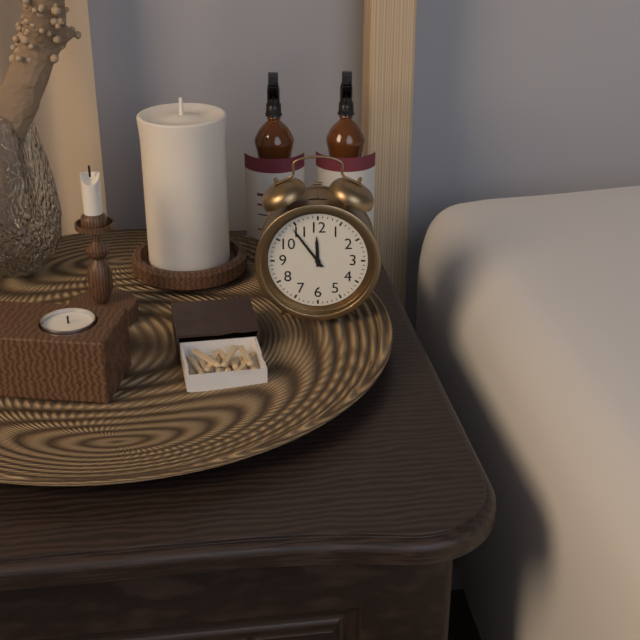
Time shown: h=11 m=54
